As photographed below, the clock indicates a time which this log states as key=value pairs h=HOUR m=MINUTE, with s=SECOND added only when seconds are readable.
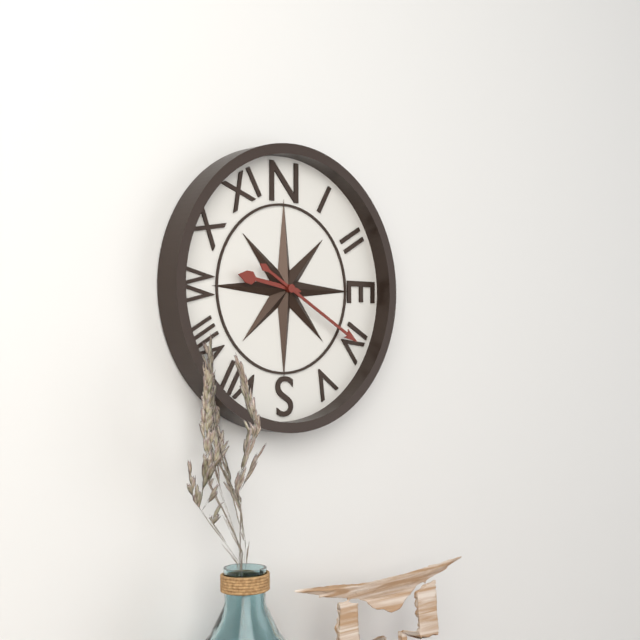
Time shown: h=9 m=20
